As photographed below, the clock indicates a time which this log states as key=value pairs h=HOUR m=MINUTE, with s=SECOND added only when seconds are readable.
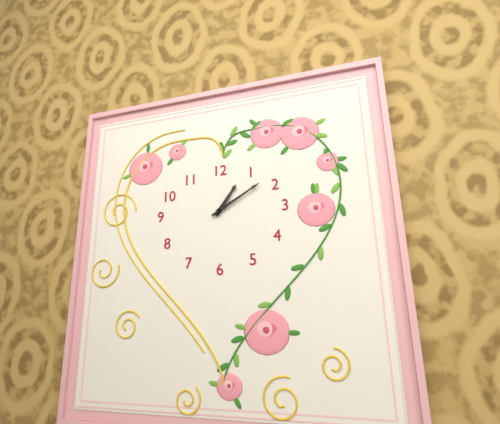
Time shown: h=1 m=10
